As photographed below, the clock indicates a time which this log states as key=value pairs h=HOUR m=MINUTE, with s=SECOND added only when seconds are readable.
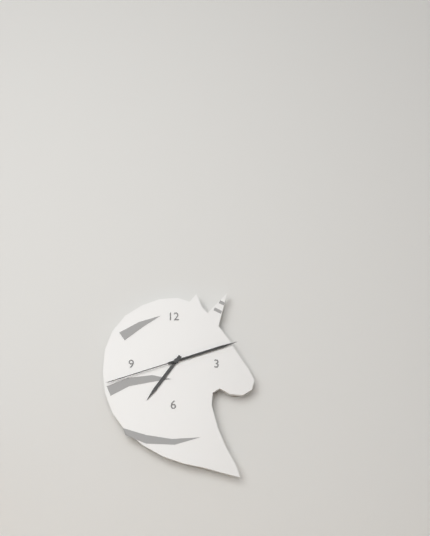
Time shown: h=7 m=12 s=42
